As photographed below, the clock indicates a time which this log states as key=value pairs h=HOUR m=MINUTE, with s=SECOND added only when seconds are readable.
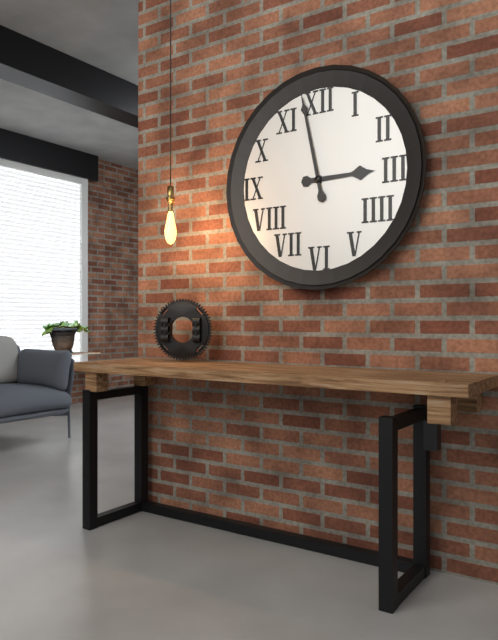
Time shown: h=2 m=58
